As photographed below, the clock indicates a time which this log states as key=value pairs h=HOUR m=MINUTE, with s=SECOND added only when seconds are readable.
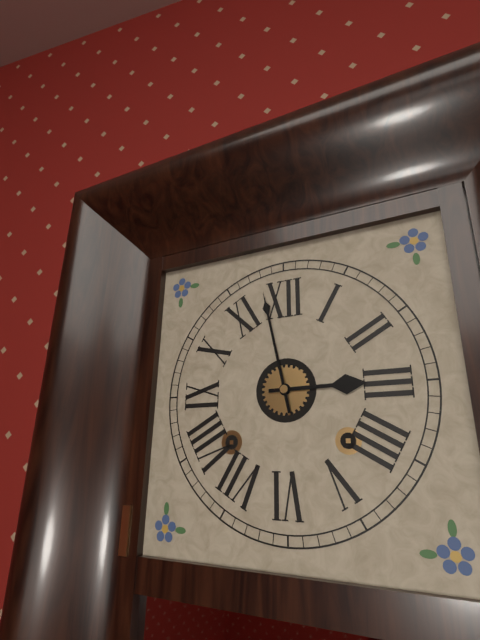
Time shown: h=2 m=58
